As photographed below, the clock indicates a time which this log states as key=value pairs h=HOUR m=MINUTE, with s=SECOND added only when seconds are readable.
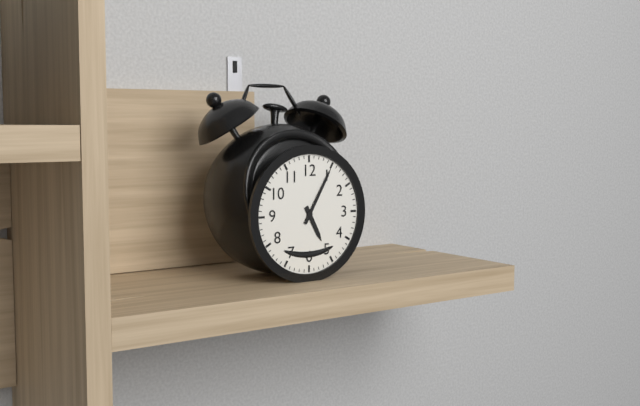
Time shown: h=5 m=5
